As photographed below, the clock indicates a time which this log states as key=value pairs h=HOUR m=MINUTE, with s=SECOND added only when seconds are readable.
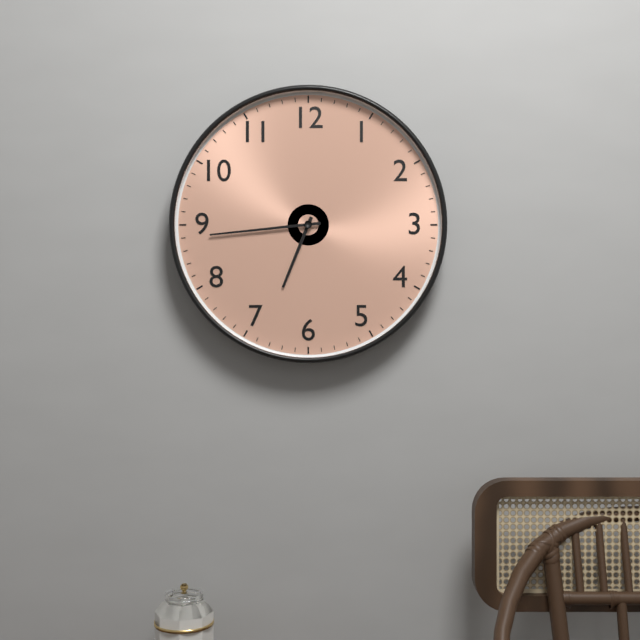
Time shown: h=6 m=44
